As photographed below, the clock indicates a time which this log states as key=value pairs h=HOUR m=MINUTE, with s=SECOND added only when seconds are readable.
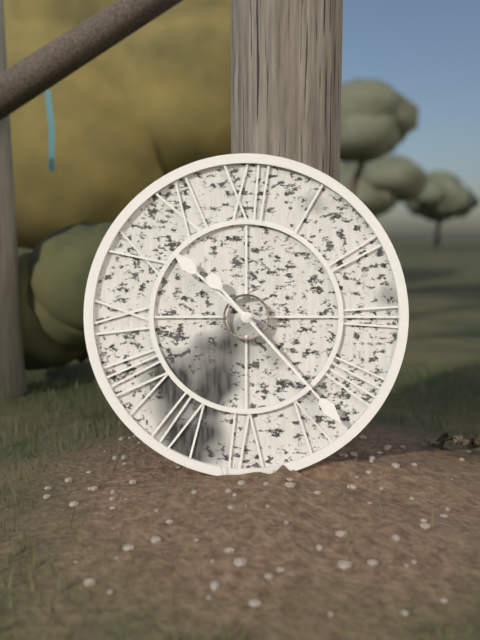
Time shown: h=10 m=23
